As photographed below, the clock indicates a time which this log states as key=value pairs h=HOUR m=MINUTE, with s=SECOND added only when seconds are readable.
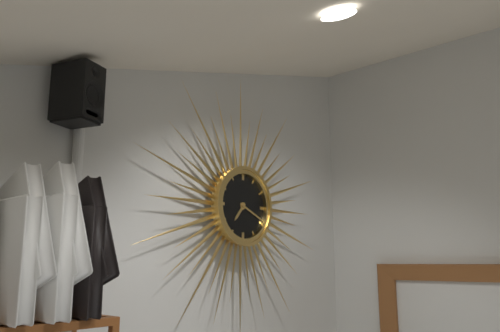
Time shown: h=7 m=19
